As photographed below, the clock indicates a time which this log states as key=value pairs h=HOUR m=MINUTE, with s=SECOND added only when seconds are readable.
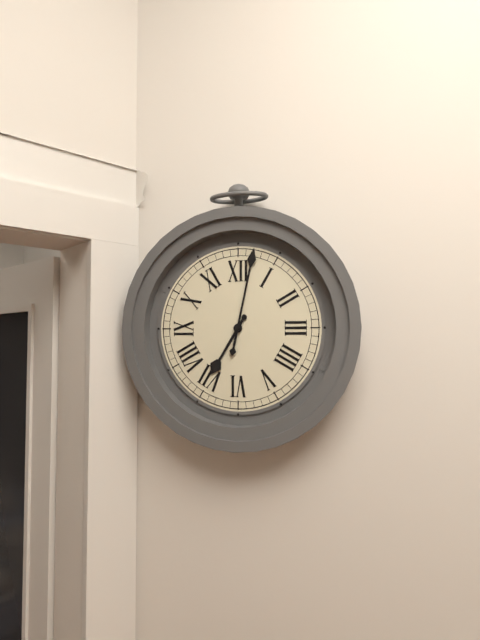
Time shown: h=7 m=2
